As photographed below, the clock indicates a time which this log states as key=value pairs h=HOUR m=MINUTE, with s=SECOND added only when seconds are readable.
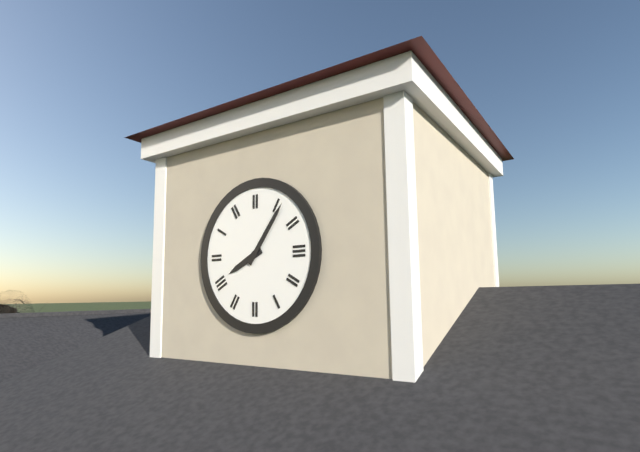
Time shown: h=8 m=6
